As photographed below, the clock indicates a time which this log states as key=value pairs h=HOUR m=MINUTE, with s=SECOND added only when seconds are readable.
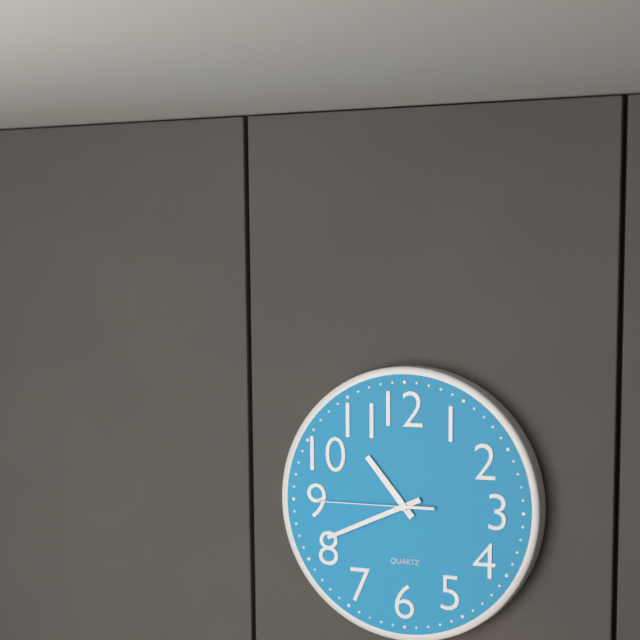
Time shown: h=10 m=41 s=45
